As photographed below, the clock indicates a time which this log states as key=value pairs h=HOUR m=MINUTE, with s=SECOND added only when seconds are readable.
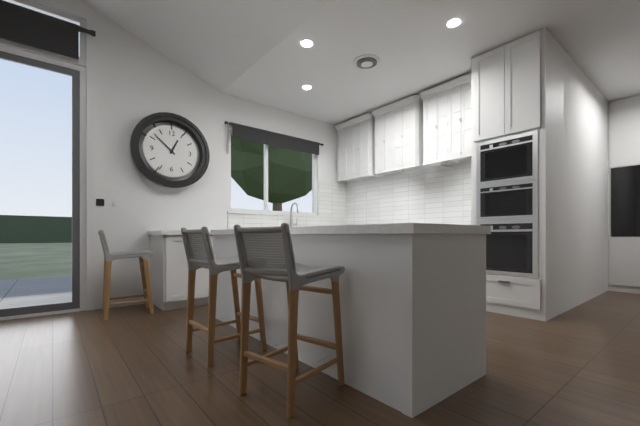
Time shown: h=12 m=52
